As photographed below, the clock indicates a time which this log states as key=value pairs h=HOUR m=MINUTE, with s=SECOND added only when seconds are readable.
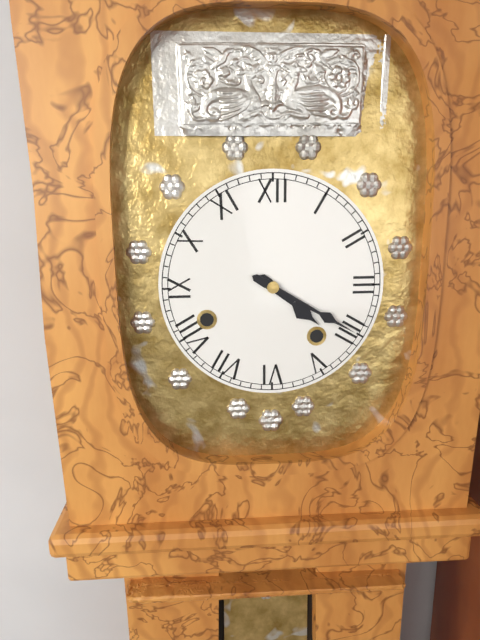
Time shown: h=4 m=20
